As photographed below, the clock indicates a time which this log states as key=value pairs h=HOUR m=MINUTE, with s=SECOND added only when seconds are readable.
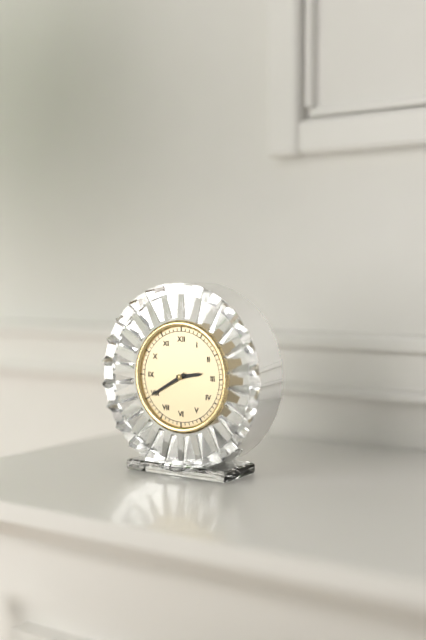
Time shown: h=2 m=40
